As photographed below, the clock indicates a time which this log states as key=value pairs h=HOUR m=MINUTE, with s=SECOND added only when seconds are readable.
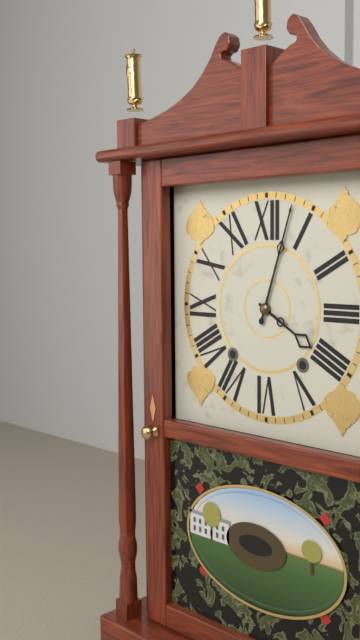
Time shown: h=4 m=3
